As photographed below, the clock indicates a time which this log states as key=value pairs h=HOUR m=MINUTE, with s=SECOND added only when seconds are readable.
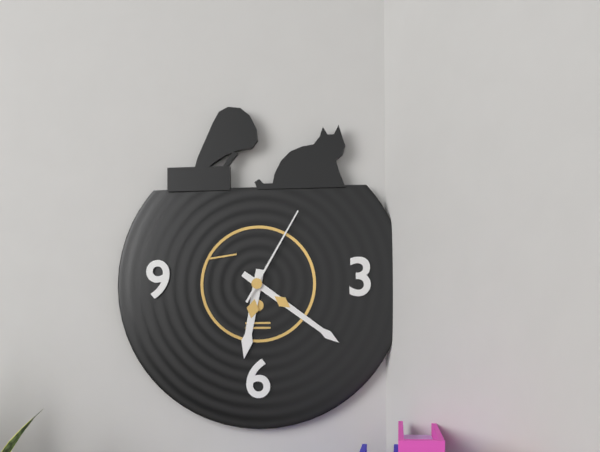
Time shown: h=6 m=21 s=5
